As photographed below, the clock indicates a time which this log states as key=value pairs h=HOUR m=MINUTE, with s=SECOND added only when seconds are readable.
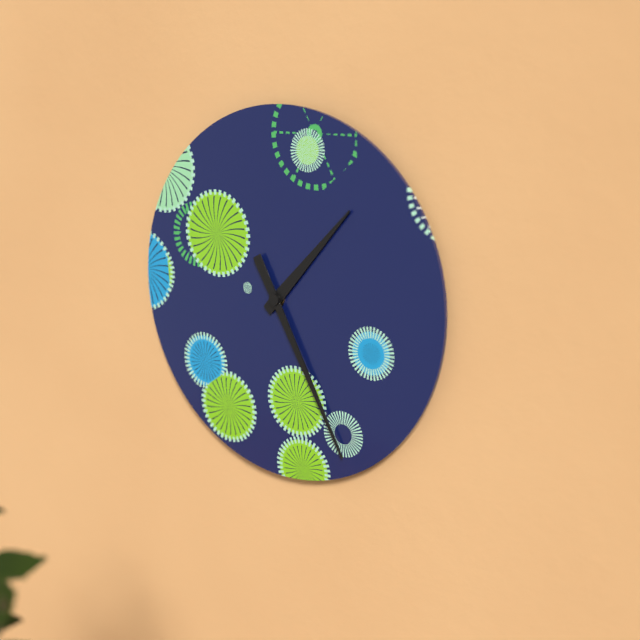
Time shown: h=1 m=25
